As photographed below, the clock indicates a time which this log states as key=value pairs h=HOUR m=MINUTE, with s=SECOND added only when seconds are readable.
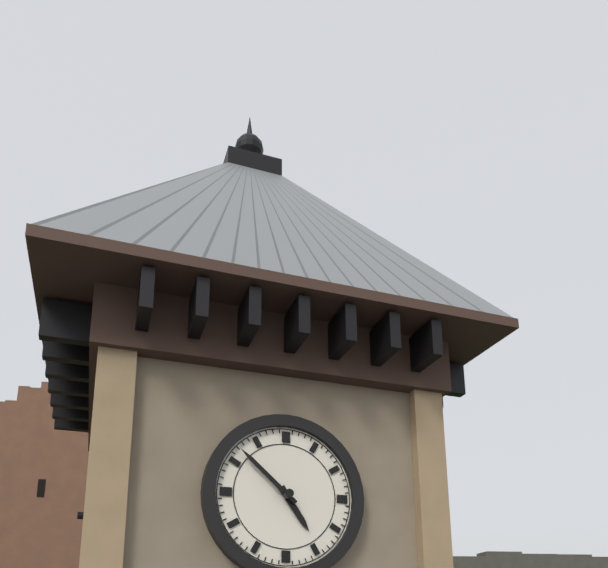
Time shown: h=4 m=52
